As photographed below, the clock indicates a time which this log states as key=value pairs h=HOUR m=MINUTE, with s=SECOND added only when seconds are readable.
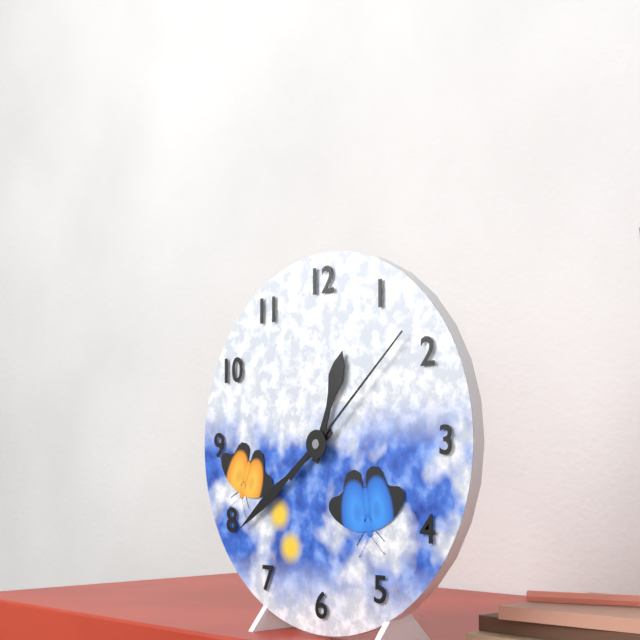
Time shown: h=12 m=39 s=8
